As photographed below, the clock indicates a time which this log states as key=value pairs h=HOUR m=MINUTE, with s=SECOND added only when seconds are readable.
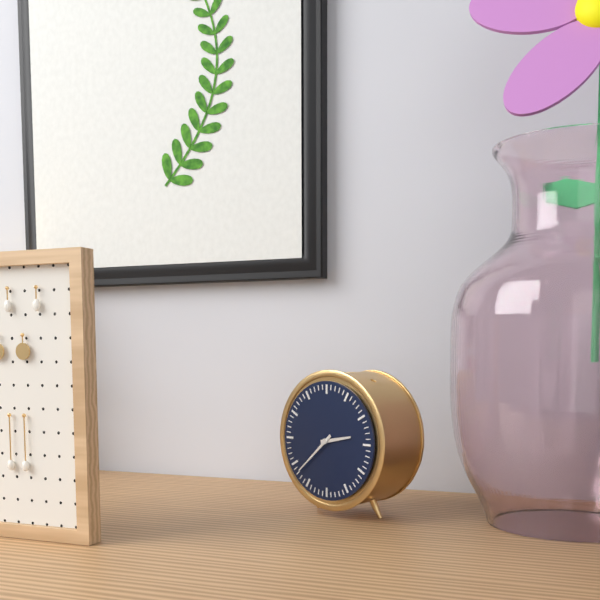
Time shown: h=2 m=38
